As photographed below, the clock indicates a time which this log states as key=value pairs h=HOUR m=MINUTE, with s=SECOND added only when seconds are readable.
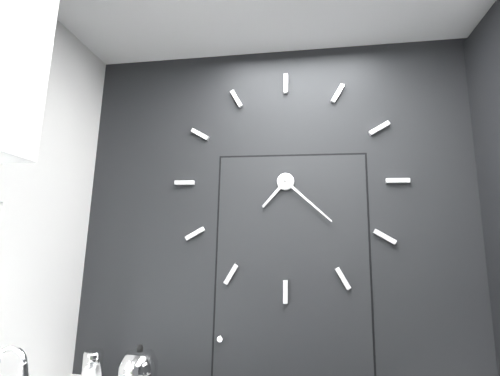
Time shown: h=7 m=22
